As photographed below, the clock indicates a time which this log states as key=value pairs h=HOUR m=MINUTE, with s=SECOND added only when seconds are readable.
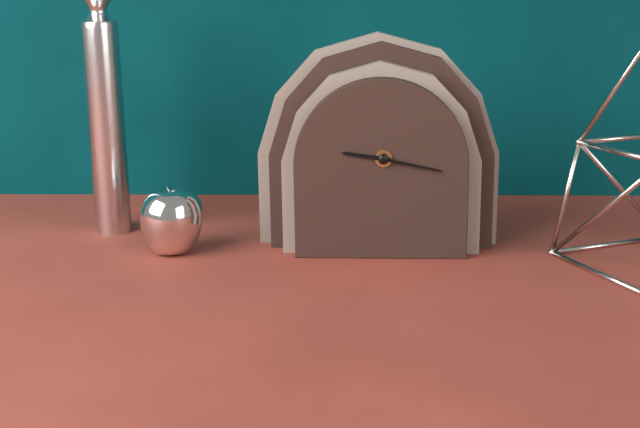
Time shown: h=9 m=17
